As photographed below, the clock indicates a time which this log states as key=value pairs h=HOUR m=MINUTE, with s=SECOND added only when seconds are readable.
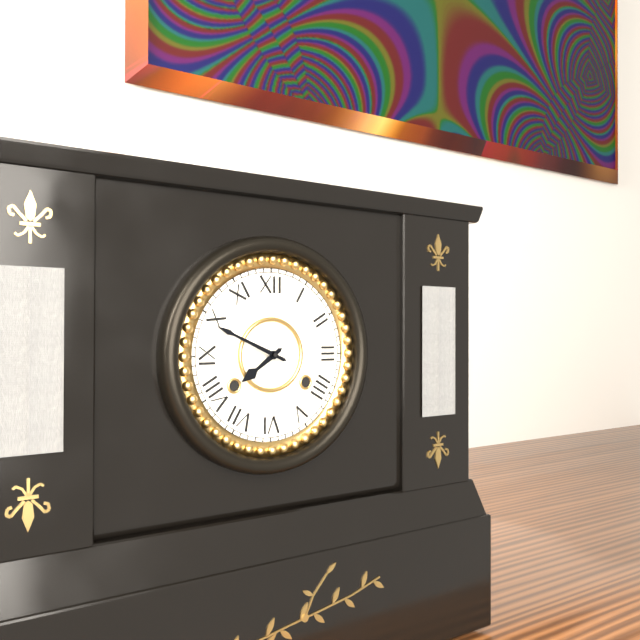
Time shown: h=7 m=49
